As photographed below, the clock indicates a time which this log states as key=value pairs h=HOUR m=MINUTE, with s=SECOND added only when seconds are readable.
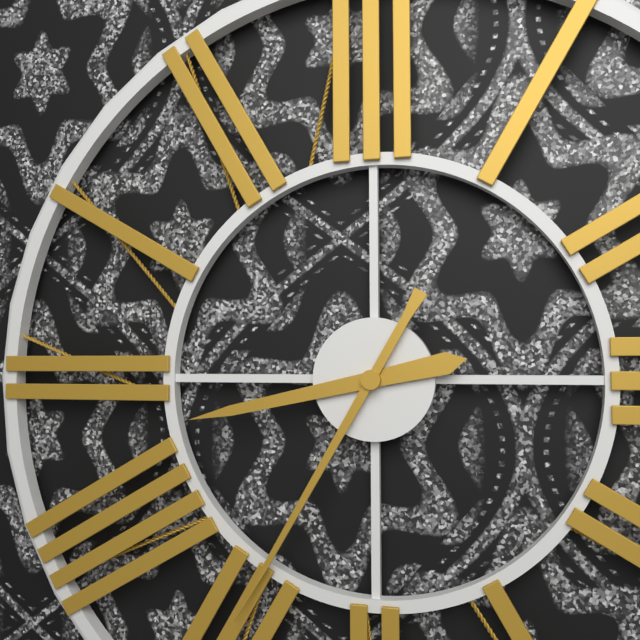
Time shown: h=8 m=35
